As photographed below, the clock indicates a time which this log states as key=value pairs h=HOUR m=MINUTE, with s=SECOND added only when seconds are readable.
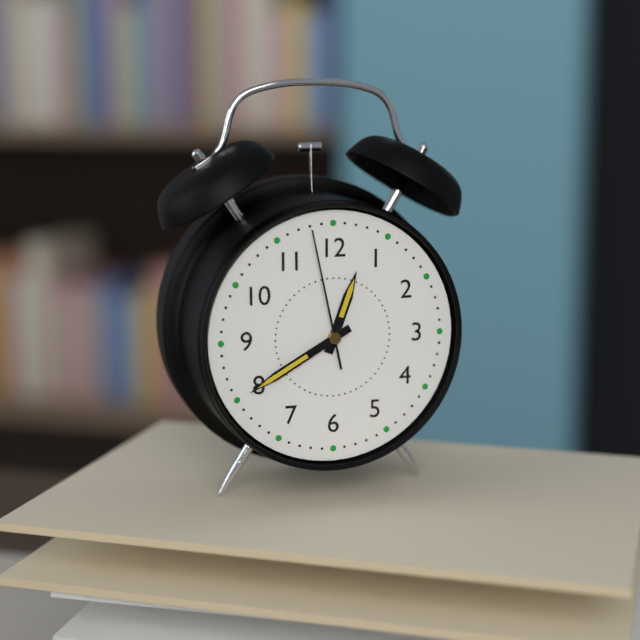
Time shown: h=12 m=40 s=58
